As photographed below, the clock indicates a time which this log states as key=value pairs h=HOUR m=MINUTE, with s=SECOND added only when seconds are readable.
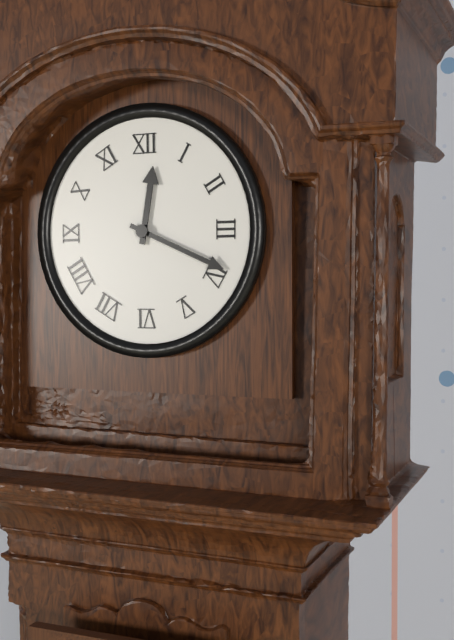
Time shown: h=12 m=19
